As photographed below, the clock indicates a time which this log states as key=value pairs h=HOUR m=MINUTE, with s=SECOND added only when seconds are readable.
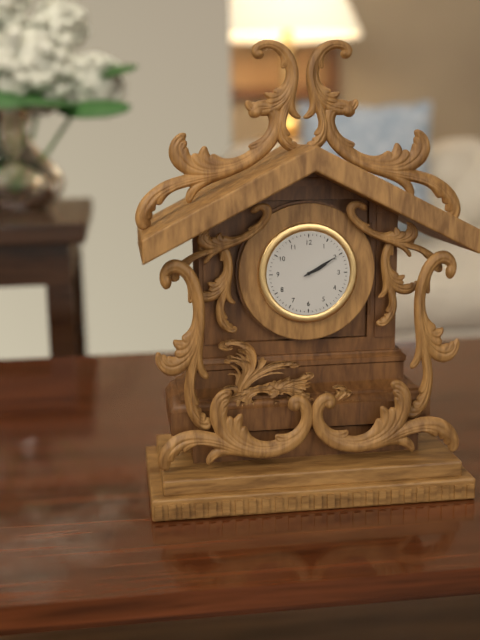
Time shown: h=2 m=10
